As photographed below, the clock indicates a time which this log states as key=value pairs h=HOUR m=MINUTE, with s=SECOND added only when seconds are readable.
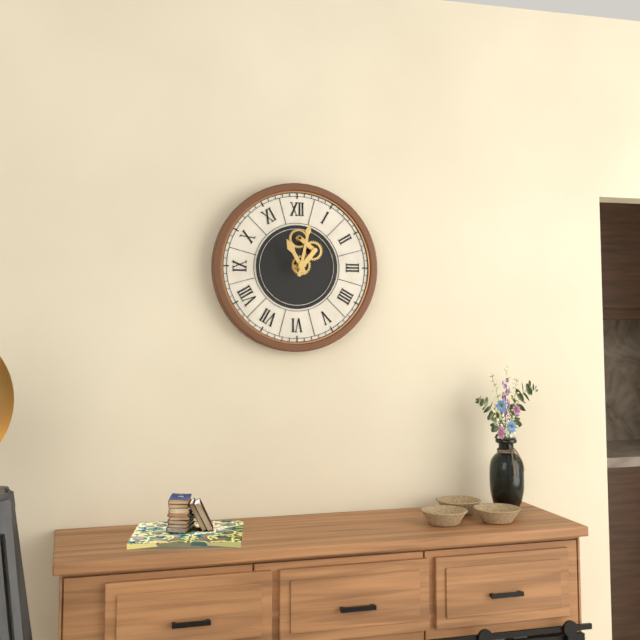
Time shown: h=11 m=2
